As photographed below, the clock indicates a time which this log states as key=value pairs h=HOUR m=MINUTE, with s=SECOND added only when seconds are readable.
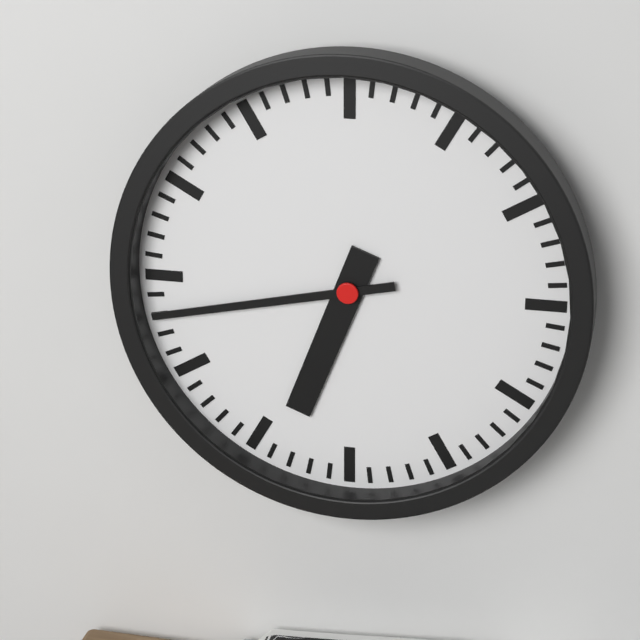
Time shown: h=6 m=43
